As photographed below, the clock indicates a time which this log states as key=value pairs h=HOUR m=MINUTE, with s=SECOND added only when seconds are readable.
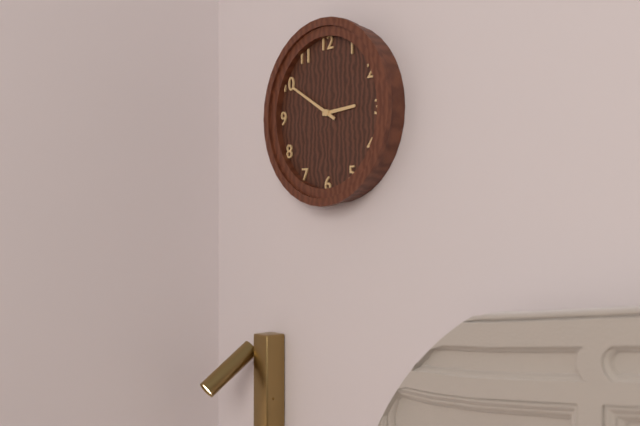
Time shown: h=2 m=50
